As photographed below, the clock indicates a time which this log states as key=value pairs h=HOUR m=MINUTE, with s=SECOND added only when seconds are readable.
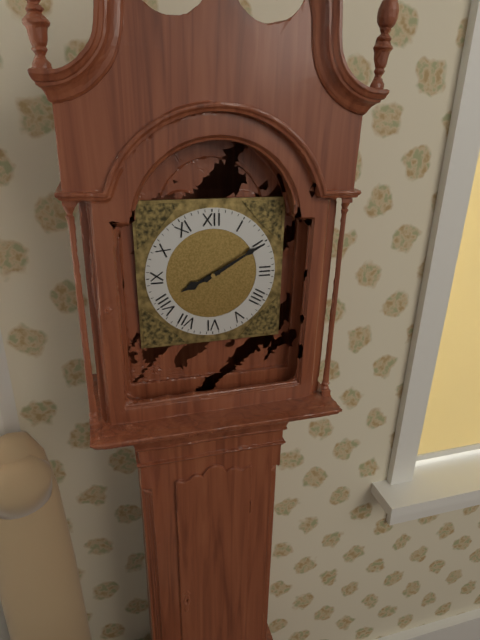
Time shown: h=8 m=10
